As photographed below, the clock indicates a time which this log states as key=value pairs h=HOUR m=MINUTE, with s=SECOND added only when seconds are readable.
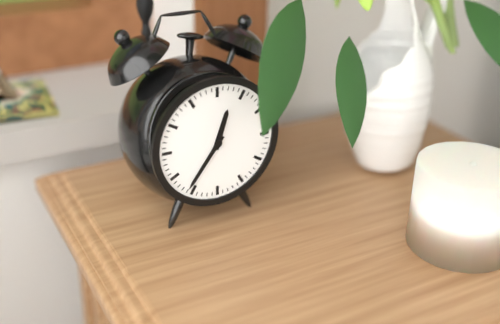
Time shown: h=12 m=36
